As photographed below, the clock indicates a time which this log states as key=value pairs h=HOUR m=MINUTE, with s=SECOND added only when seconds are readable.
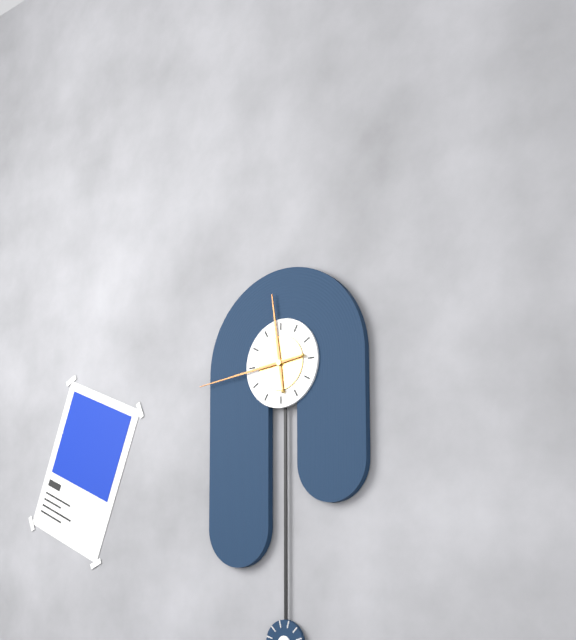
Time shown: h=11 m=44
